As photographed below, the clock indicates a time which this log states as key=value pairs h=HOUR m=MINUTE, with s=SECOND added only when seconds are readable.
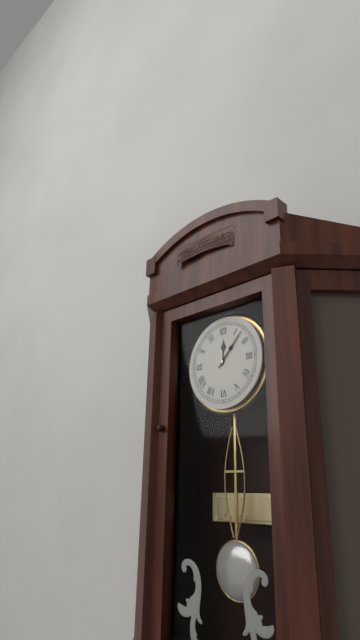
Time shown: h=12 m=7
